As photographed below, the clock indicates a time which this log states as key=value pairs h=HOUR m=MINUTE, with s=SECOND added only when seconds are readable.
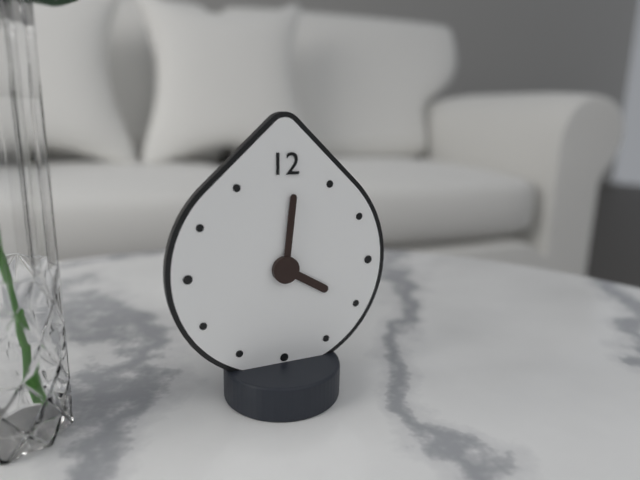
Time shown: h=4 m=1
